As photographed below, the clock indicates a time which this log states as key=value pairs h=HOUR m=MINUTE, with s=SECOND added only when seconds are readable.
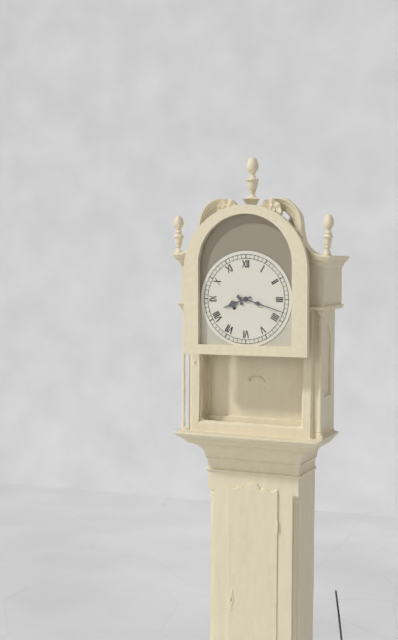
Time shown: h=8 m=18
